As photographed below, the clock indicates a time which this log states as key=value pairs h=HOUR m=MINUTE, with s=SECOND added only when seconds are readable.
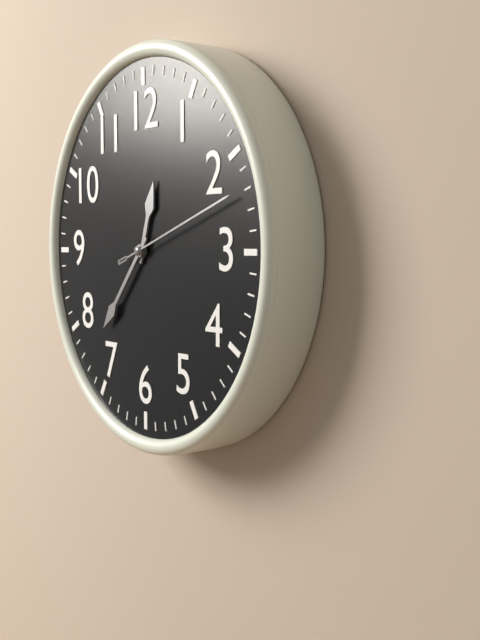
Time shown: h=12 m=37 s=12
